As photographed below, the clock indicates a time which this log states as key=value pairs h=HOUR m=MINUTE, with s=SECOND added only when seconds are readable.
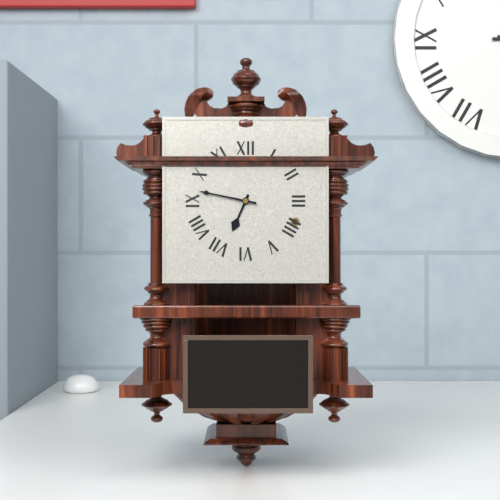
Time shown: h=6 m=47
